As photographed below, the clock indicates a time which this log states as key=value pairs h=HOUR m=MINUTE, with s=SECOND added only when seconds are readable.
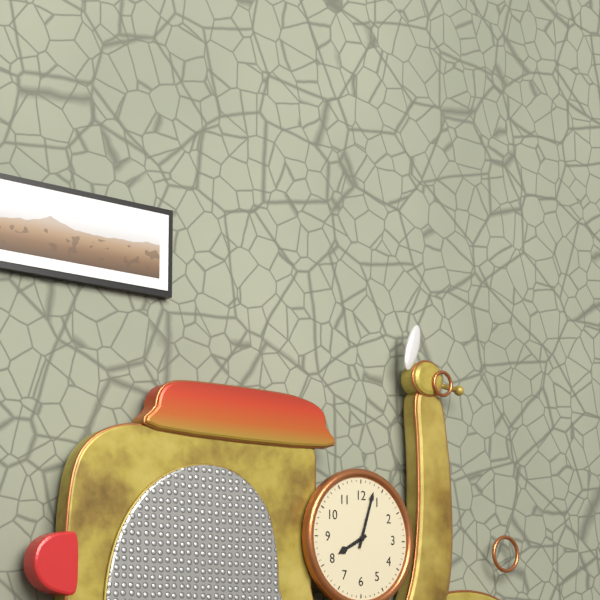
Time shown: h=8 m=3
